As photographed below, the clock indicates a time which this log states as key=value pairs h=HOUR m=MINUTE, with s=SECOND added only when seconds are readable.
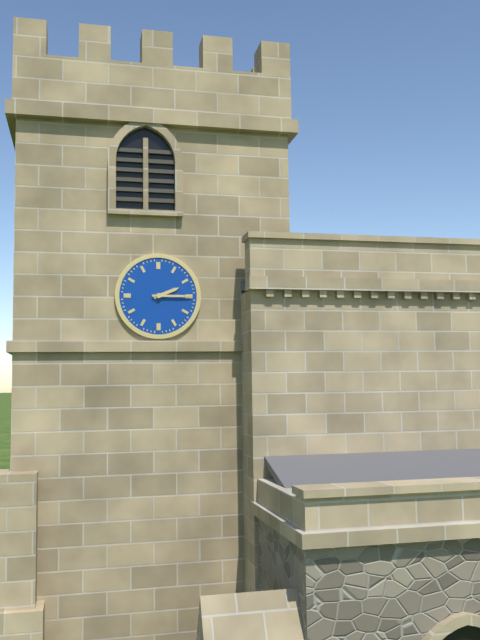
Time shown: h=2 m=15
